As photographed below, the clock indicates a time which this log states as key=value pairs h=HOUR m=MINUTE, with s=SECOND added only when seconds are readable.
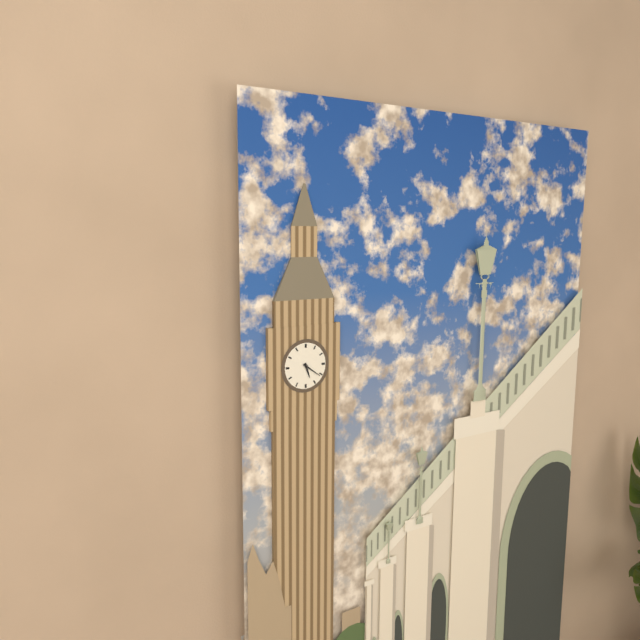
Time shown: h=5 m=21
